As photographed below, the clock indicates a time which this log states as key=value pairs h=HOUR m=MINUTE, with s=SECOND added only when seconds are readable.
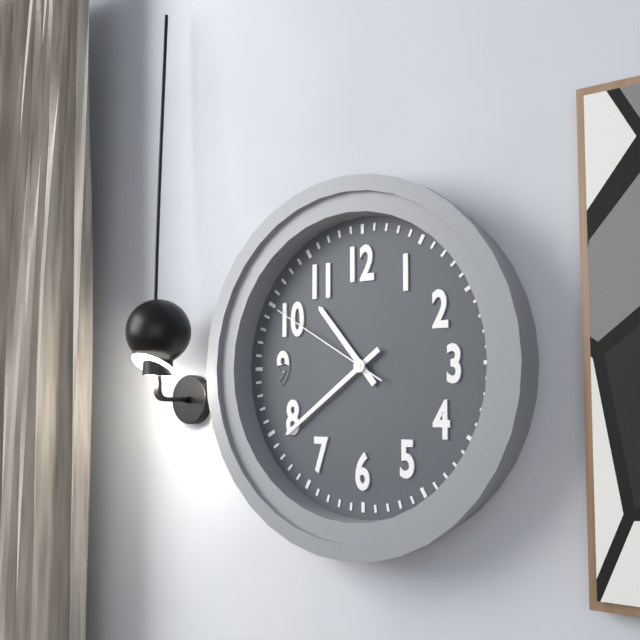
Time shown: h=10 m=39 s=50
